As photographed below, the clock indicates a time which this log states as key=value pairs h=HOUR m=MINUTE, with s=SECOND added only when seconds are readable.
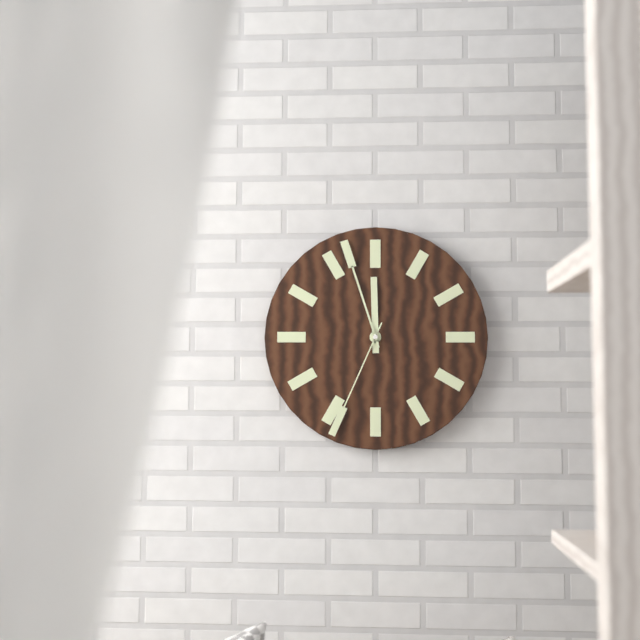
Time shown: h=11 m=57 s=34
